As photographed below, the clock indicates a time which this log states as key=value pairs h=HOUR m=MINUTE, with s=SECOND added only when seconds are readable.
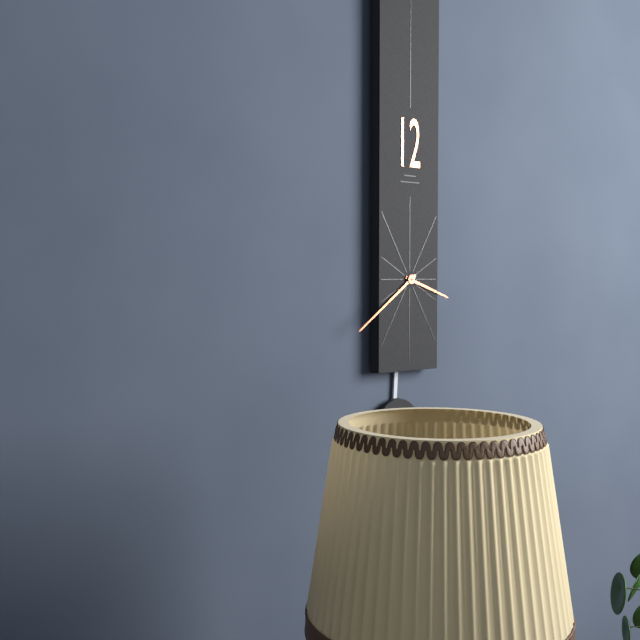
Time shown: h=3 m=39
